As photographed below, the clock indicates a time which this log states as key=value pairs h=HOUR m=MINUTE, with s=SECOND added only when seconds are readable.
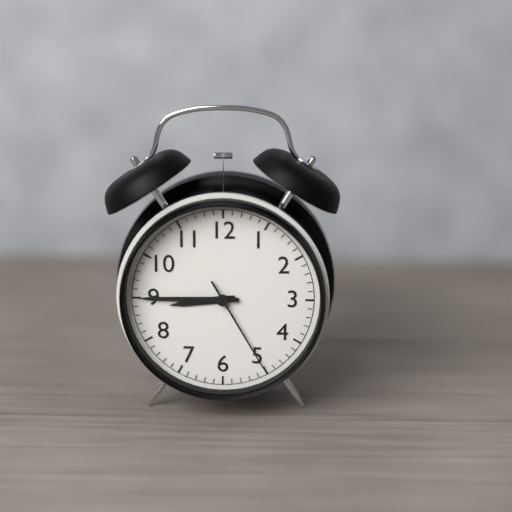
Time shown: h=8 m=45 s=25
